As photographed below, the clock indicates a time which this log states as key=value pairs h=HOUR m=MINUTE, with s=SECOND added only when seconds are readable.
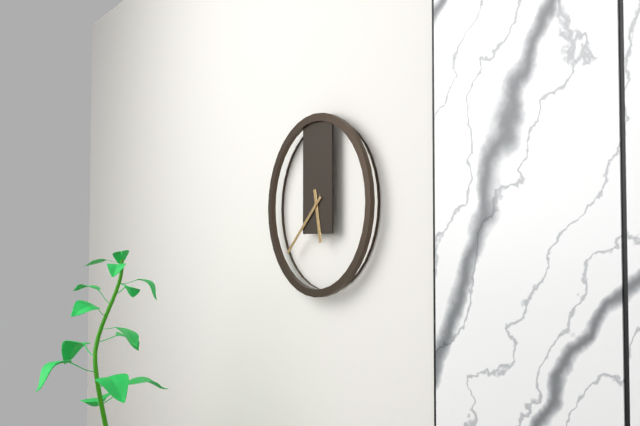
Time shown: h=5 m=38
